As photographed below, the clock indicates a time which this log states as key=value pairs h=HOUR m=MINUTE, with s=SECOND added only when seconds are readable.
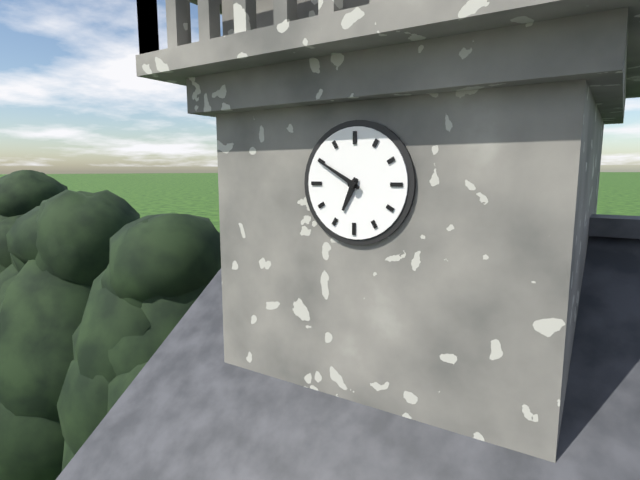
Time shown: h=6 m=50
